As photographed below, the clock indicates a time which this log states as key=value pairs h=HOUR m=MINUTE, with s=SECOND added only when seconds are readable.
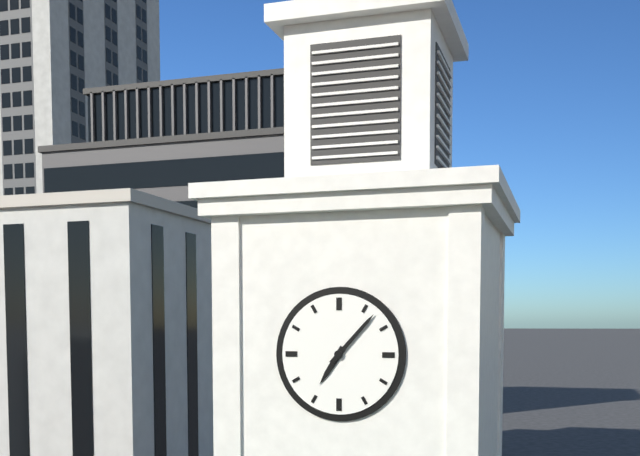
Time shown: h=7 m=7
